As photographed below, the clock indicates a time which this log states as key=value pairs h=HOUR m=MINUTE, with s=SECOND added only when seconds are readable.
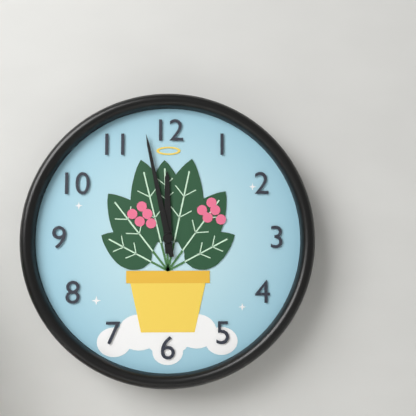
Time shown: h=11 m=58
